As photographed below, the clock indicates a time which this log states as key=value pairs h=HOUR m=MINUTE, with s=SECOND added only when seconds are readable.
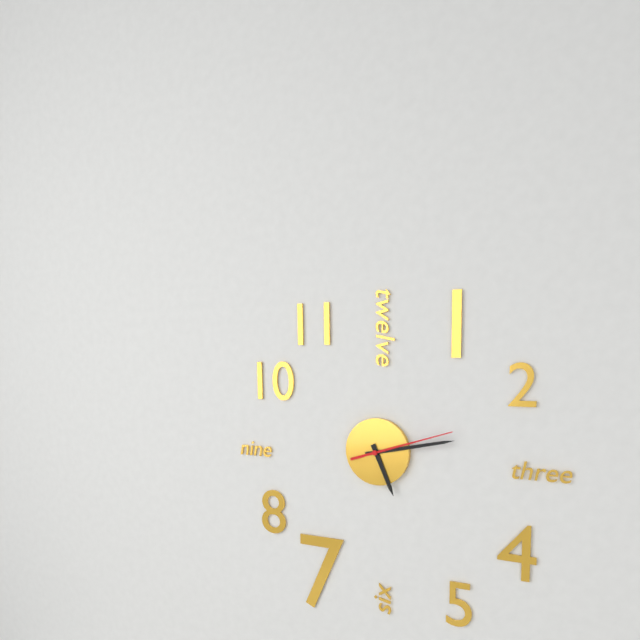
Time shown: h=5 m=13 s=12
